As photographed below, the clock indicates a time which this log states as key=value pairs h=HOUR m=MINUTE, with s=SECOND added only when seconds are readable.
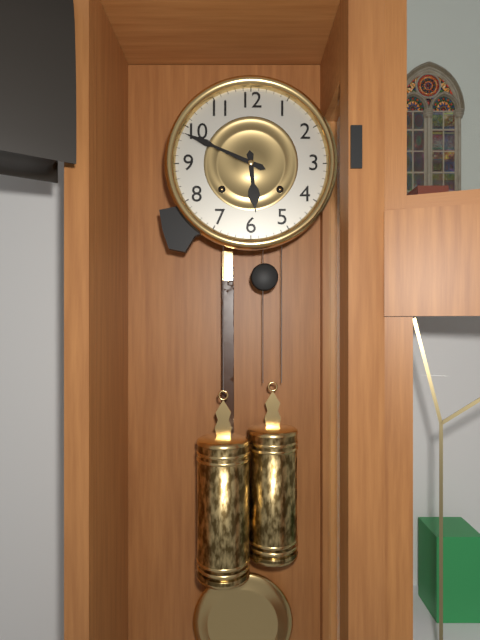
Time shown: h=5 m=49
